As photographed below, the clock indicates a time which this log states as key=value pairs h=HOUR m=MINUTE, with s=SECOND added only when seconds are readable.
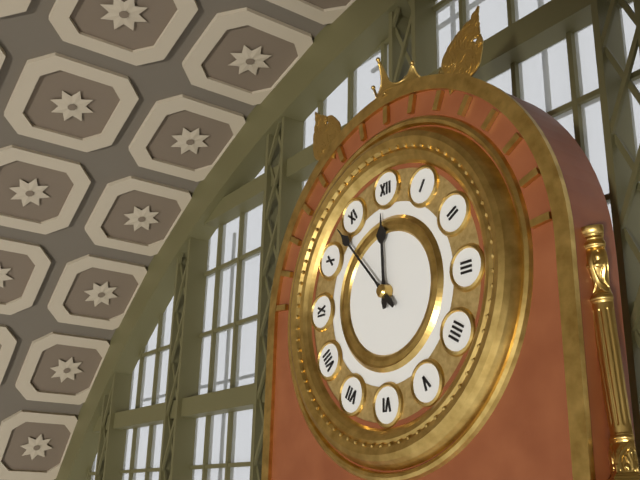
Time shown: h=11 m=53
